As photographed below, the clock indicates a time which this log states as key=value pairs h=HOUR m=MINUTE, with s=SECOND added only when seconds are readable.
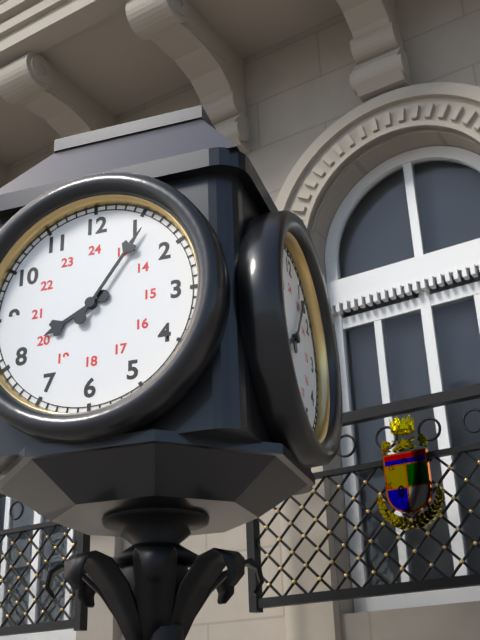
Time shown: h=8 m=6
